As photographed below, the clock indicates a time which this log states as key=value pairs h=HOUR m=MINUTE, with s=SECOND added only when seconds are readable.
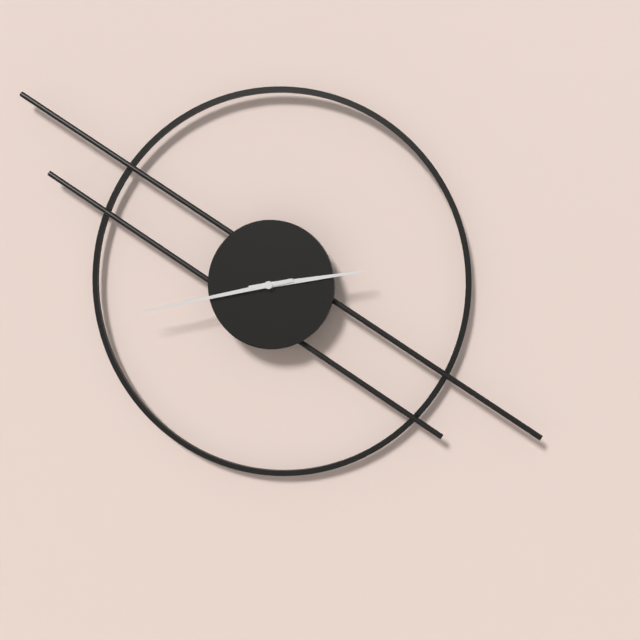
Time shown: h=2 m=43
